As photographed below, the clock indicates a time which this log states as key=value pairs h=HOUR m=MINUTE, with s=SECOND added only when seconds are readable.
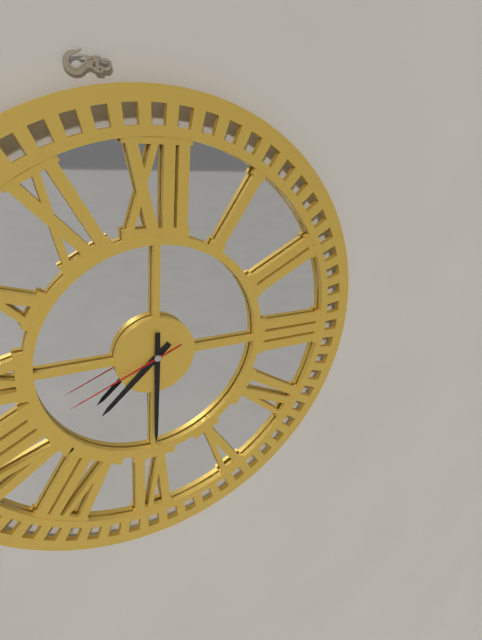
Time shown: h=7 m=30 s=41
